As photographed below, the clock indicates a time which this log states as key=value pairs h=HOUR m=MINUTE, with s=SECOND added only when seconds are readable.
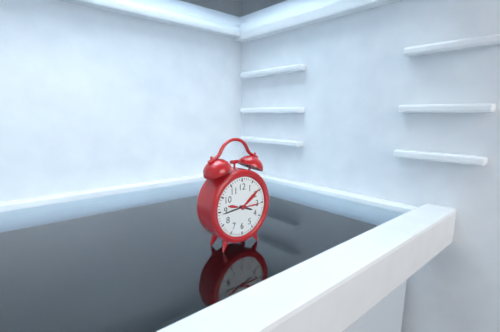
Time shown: h=3 m=44
